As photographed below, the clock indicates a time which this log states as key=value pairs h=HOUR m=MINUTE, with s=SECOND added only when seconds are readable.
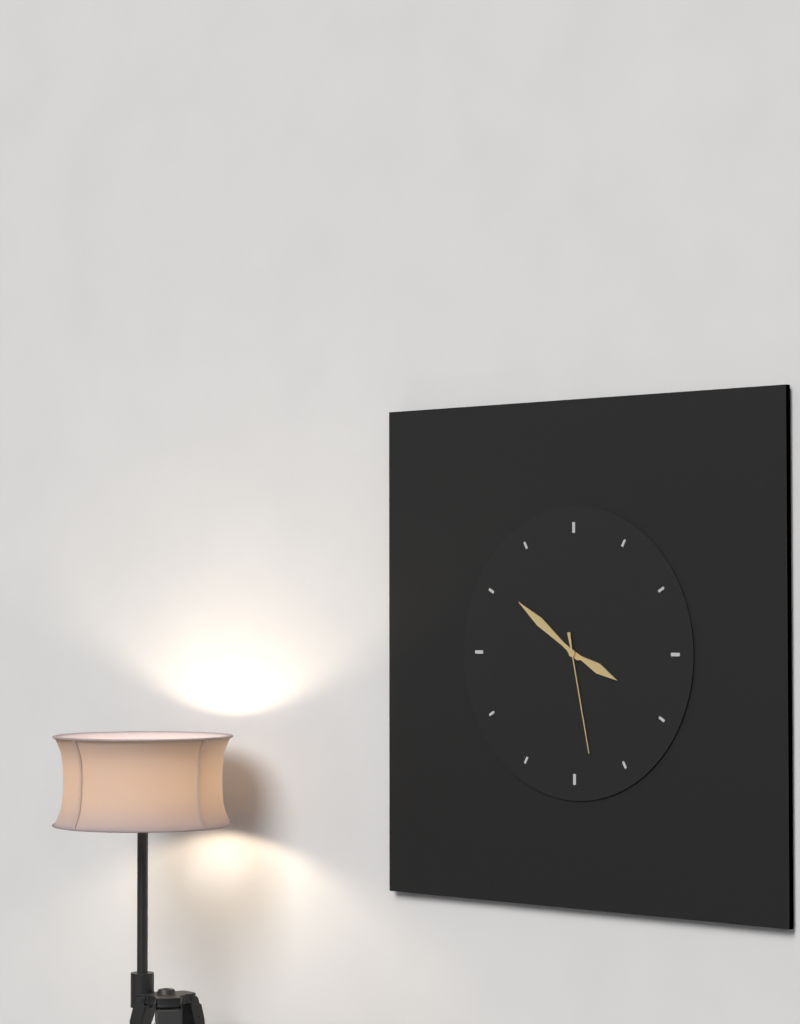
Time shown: h=3 m=51 s=28
